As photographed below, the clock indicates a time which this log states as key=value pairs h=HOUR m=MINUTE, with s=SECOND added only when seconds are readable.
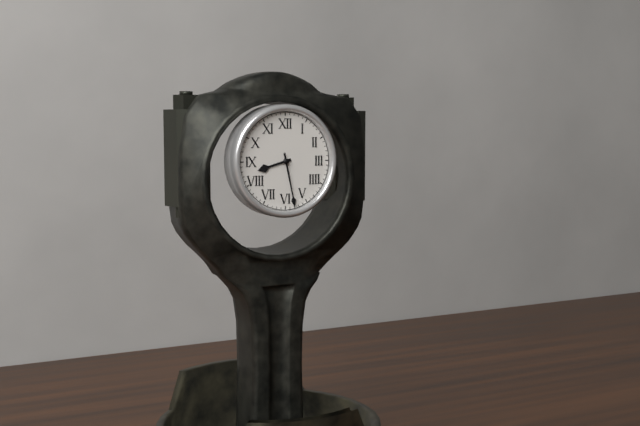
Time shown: h=8 m=28
